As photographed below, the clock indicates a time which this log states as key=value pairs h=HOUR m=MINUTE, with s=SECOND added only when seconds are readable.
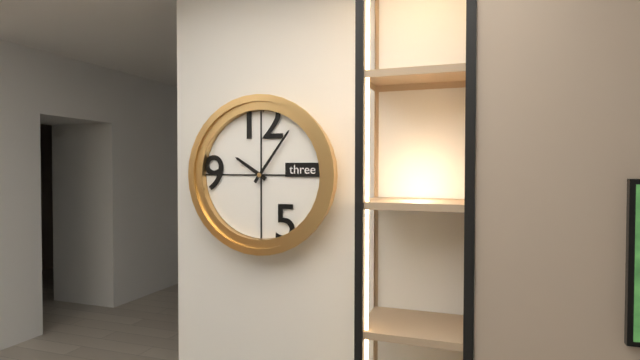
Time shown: h=10 m=6
